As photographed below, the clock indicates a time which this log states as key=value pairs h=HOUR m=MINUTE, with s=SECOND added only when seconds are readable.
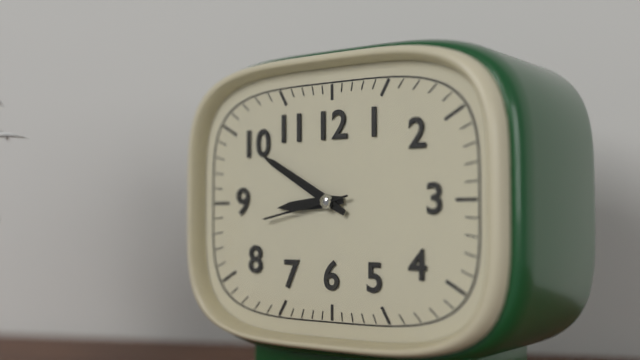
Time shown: h=8 m=50 s=43
